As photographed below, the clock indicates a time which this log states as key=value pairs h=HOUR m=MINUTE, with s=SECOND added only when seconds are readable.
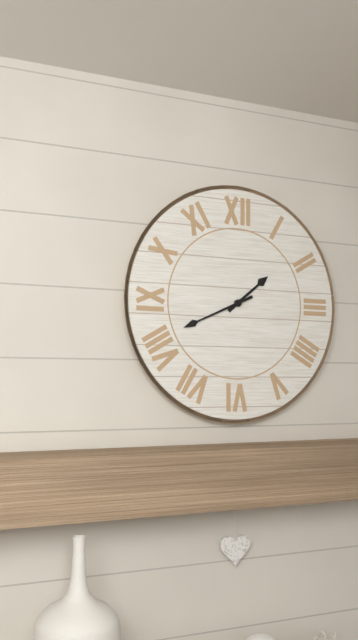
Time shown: h=1 m=41
